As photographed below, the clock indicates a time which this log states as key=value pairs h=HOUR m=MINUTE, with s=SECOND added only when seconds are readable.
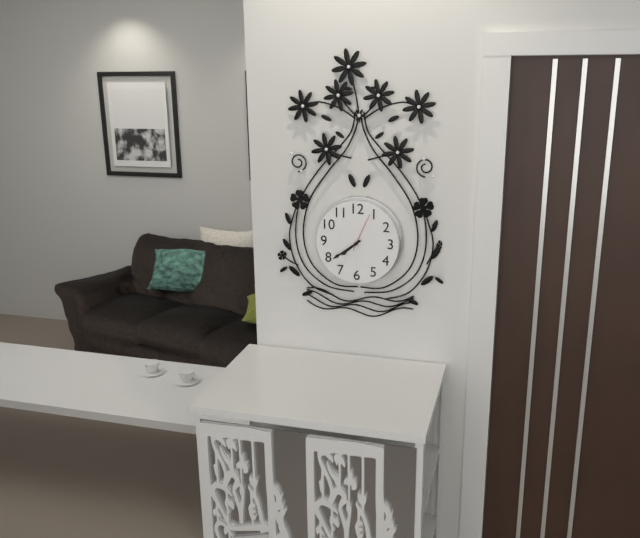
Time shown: h=7 m=39
